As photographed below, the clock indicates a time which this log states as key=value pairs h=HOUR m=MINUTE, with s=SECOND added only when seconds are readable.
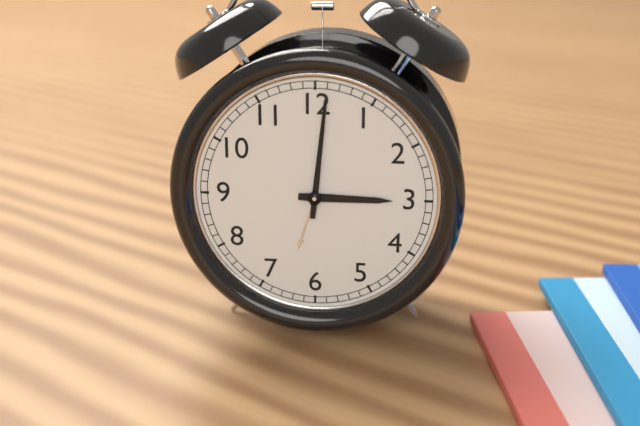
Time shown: h=3 m=1
